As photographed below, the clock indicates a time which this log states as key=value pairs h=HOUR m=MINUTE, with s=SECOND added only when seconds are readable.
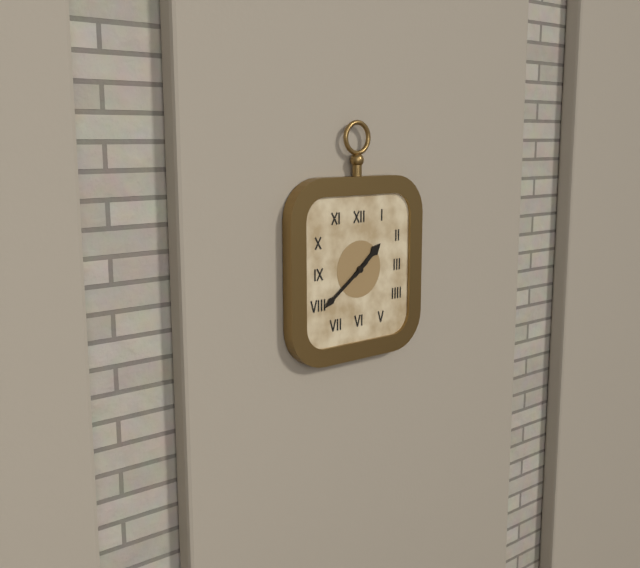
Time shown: h=1 m=39
